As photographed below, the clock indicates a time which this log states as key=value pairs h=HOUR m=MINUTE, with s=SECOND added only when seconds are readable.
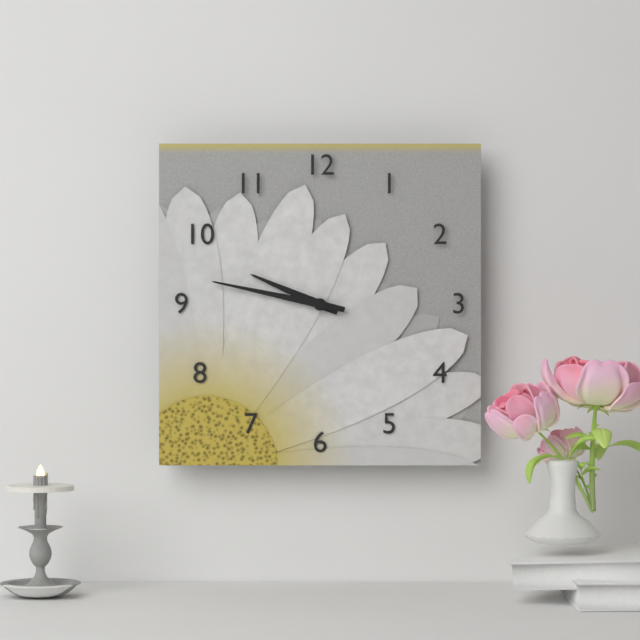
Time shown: h=9 m=47
